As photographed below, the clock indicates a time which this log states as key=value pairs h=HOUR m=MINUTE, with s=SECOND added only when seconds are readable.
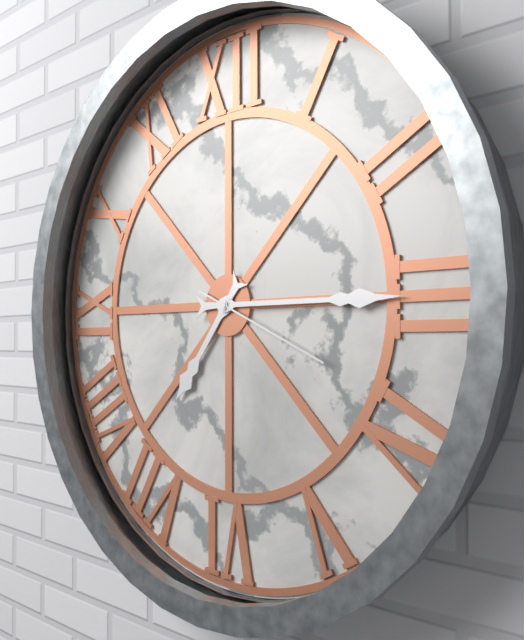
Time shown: h=7 m=15 s=19
